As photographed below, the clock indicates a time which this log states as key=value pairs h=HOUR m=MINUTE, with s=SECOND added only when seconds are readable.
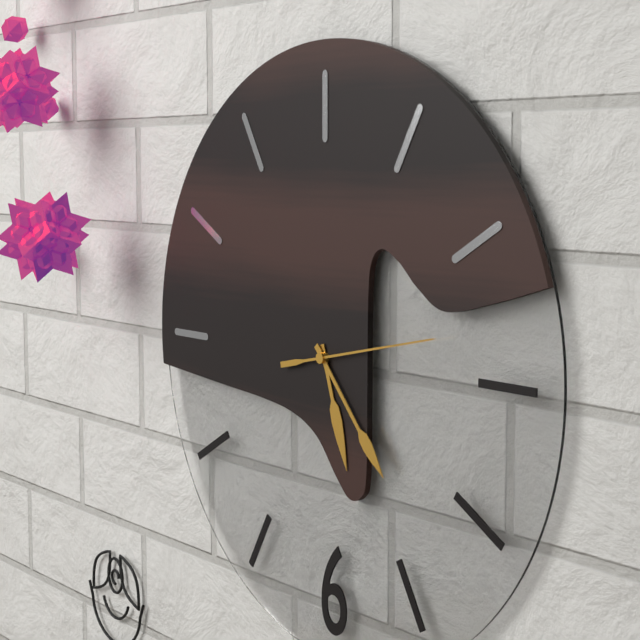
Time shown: h=5 m=23 s=13
